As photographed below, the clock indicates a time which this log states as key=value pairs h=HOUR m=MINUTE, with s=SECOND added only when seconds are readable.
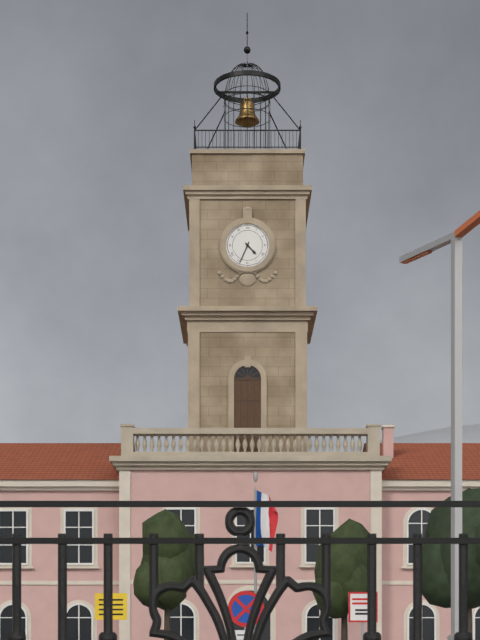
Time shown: h=4 m=34
